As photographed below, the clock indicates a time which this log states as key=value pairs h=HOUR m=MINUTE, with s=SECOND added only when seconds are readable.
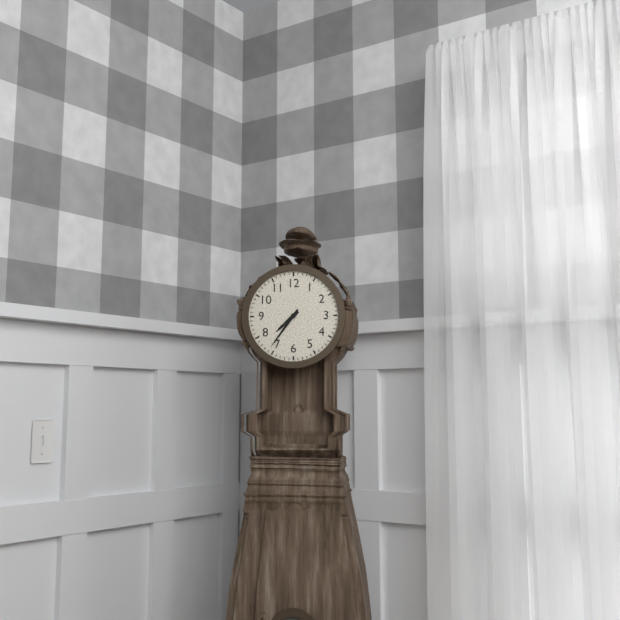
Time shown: h=7 m=36
